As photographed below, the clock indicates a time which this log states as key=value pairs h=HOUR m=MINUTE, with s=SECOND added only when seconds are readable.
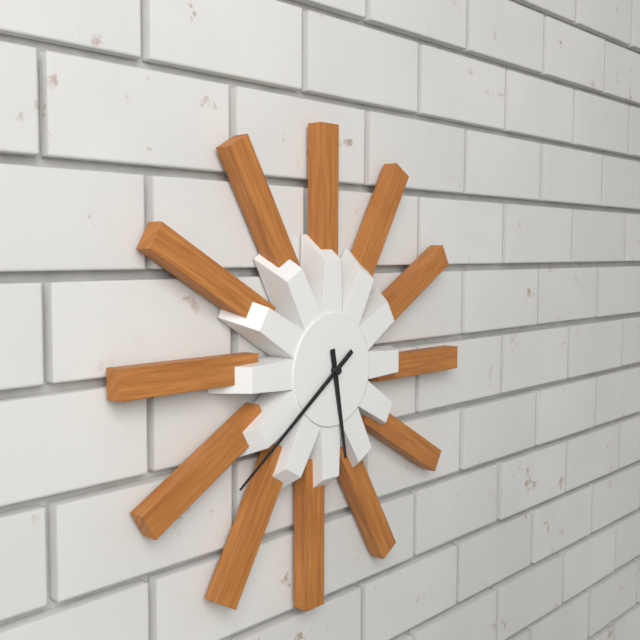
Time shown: h=5 m=39
